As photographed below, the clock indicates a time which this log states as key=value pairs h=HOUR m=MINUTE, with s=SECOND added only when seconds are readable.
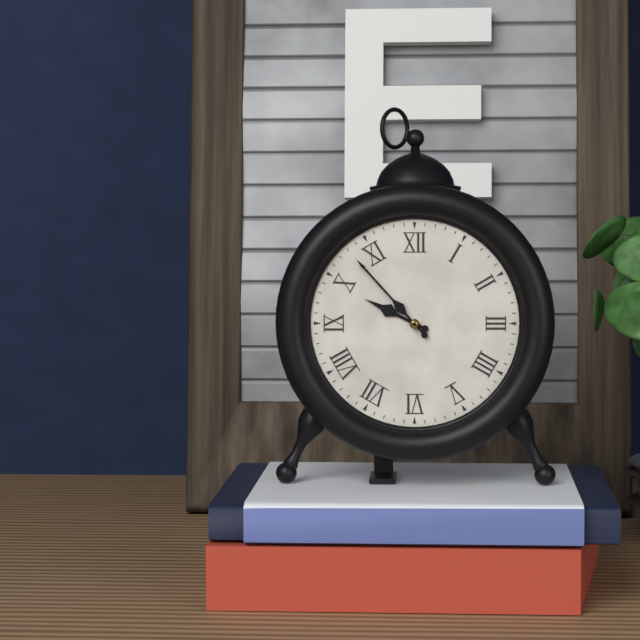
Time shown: h=9 m=53
